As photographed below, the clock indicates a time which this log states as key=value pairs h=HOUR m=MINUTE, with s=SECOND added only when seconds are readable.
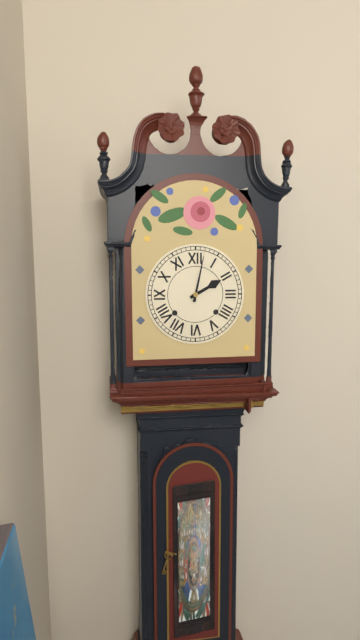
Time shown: h=2 m=2
